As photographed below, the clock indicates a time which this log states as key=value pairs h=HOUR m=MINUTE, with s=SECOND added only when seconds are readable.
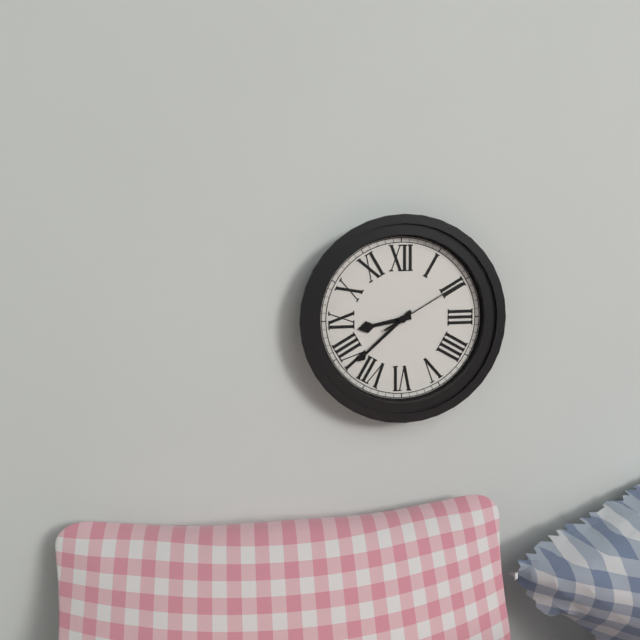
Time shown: h=8 m=38 s=10
